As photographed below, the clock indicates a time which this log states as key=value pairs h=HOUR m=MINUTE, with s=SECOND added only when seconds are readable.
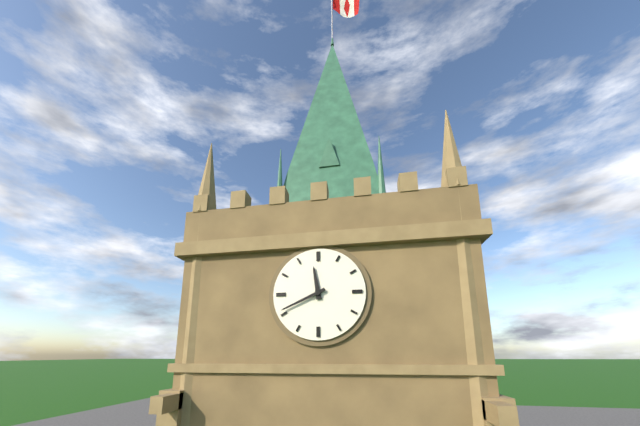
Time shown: h=11 m=41
